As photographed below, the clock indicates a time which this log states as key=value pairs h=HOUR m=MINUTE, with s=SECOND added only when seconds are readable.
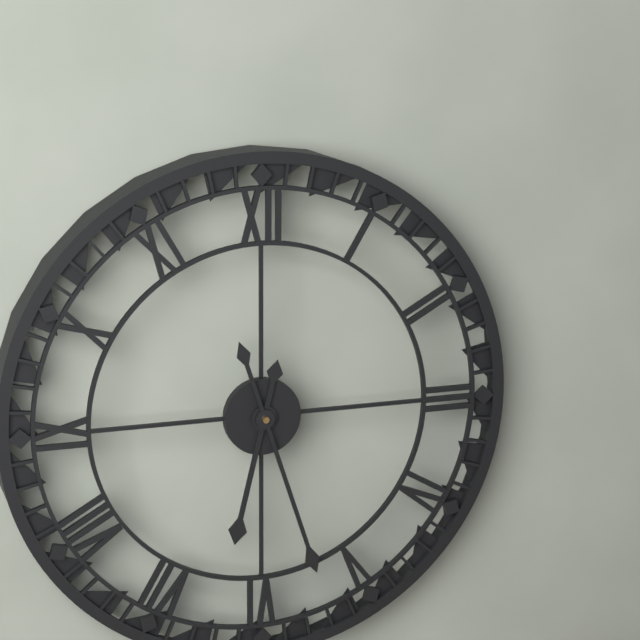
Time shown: h=6 m=27
